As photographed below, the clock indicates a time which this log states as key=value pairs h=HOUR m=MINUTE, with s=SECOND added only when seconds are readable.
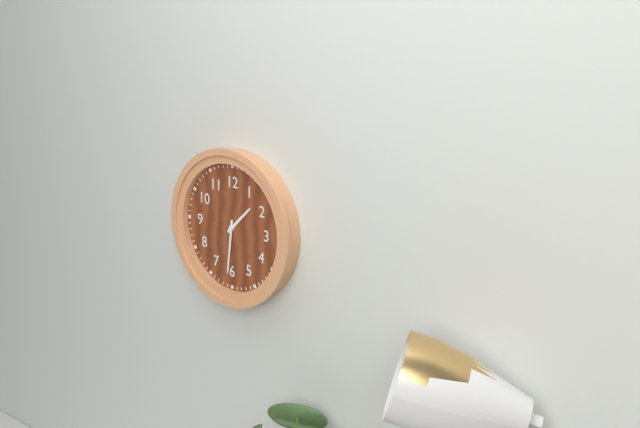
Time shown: h=1 m=31
